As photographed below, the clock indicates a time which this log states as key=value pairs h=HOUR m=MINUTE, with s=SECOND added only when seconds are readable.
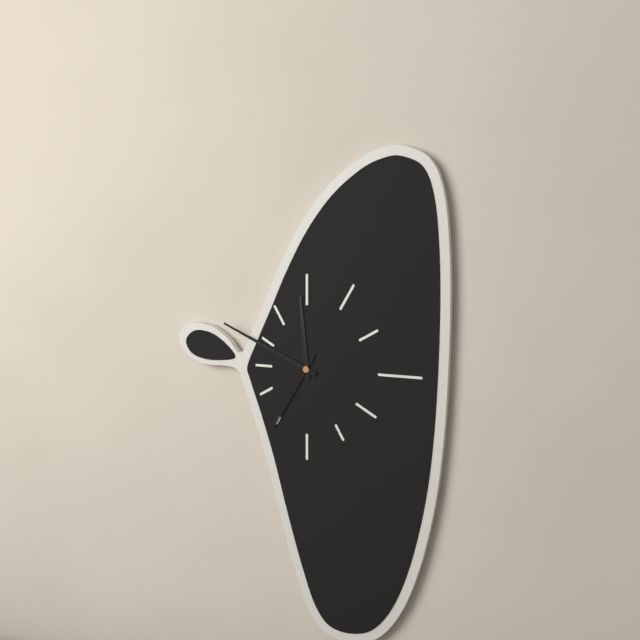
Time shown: h=11 m=49 s=35
